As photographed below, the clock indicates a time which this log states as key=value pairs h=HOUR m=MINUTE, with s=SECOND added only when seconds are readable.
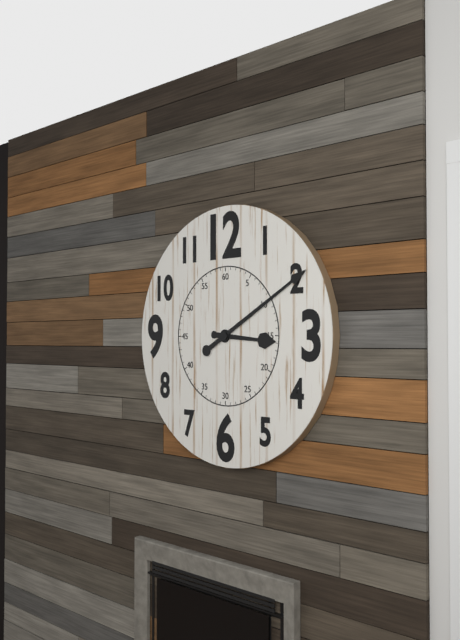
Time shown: h=3 m=10
